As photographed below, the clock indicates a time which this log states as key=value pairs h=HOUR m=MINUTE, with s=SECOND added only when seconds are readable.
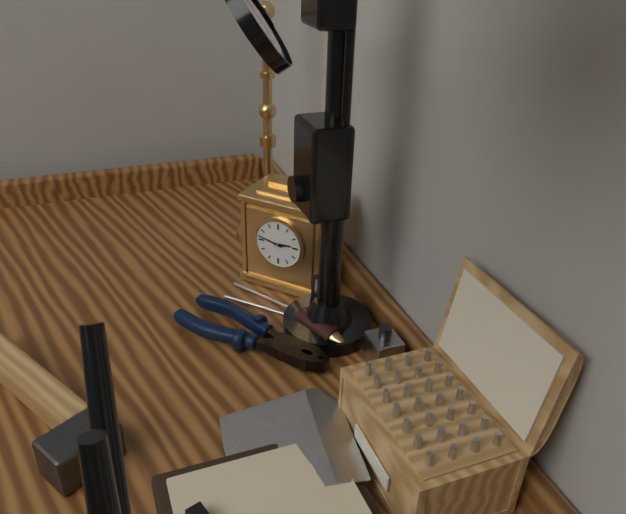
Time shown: h=2 m=47
